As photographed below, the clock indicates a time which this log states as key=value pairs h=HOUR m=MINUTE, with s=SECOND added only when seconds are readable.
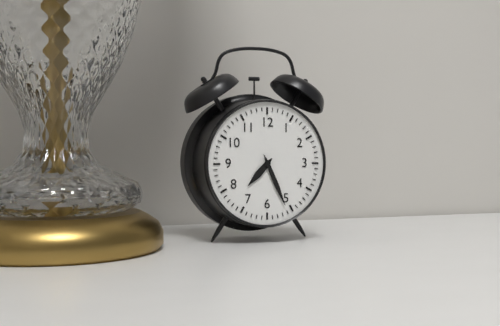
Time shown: h=7 m=26
